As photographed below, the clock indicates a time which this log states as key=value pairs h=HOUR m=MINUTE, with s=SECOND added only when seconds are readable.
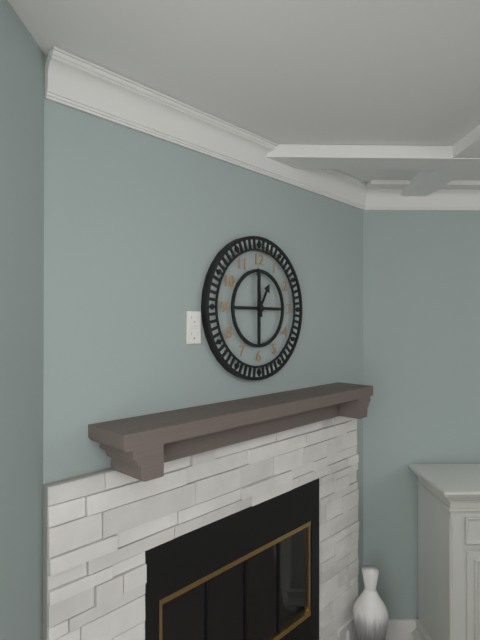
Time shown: h=12 m=59
